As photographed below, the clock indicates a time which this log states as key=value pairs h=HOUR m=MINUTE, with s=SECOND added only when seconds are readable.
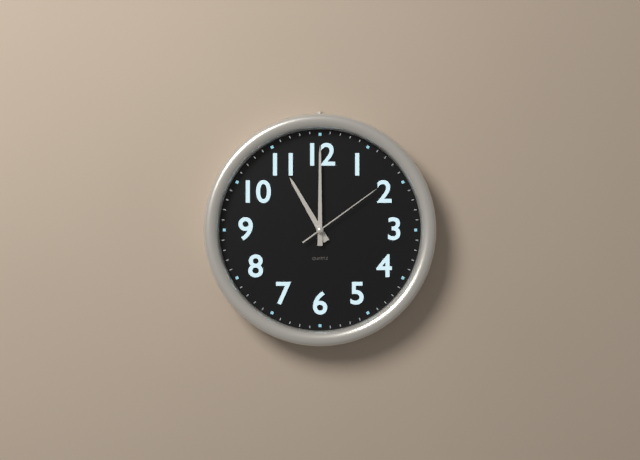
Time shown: h=11 m=0 s=9
